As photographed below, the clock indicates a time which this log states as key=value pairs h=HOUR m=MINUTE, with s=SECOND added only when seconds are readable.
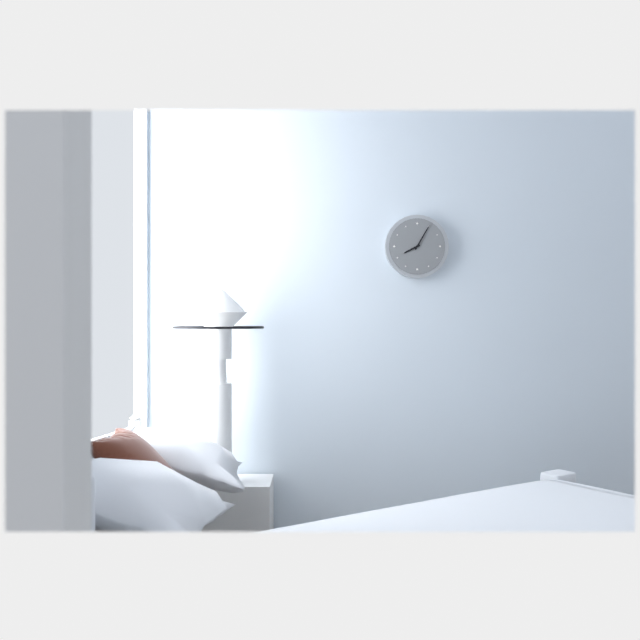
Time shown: h=8 m=5
